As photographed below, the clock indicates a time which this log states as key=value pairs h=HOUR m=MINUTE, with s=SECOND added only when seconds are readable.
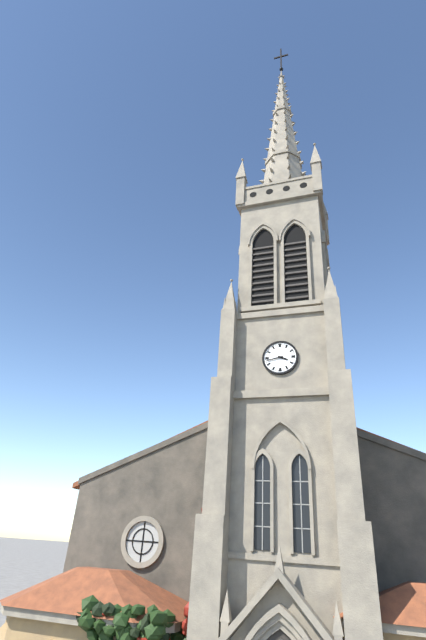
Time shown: h=3 m=43
